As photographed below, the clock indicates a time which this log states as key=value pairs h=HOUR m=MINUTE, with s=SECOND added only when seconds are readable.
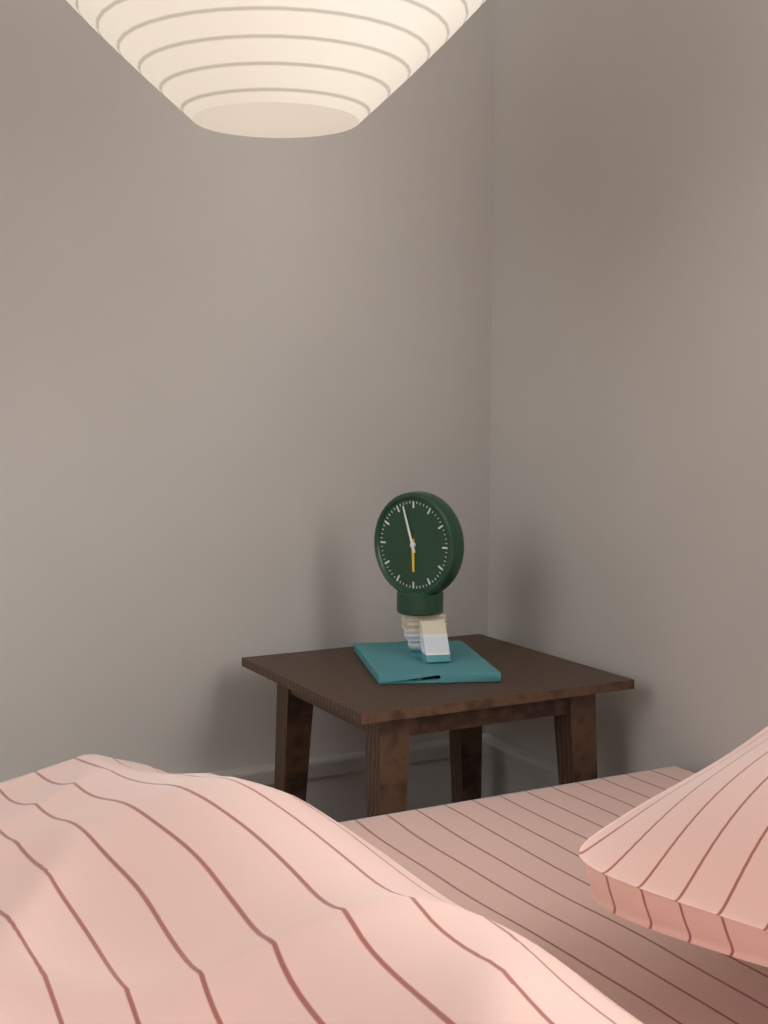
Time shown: h=5 m=57
